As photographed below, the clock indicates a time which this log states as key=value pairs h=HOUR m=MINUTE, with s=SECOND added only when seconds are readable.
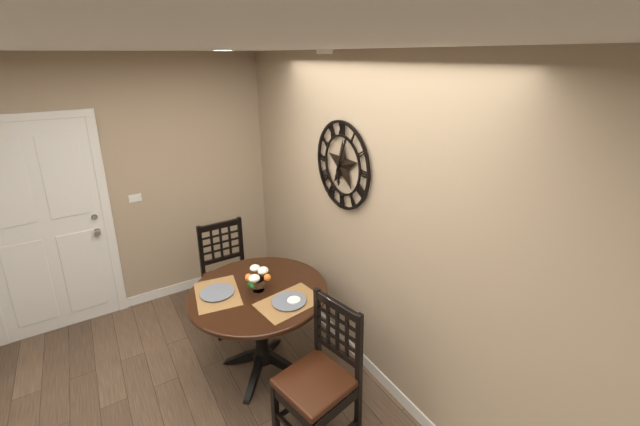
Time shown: h=6 m=4
